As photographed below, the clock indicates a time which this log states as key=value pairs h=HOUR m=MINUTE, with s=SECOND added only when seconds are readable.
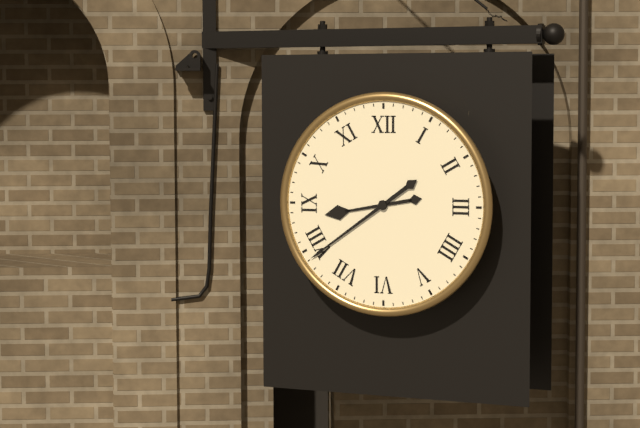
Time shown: h=8 m=39
